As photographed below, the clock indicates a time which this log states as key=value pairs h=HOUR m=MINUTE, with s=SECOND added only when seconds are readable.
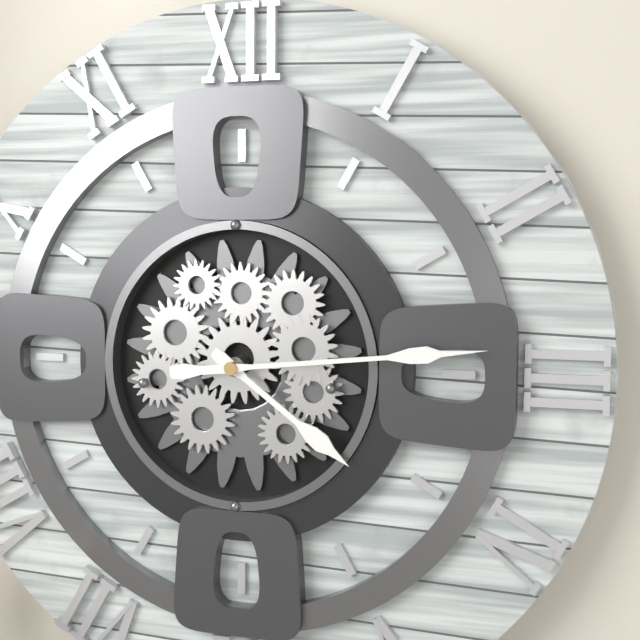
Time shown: h=4 m=14
